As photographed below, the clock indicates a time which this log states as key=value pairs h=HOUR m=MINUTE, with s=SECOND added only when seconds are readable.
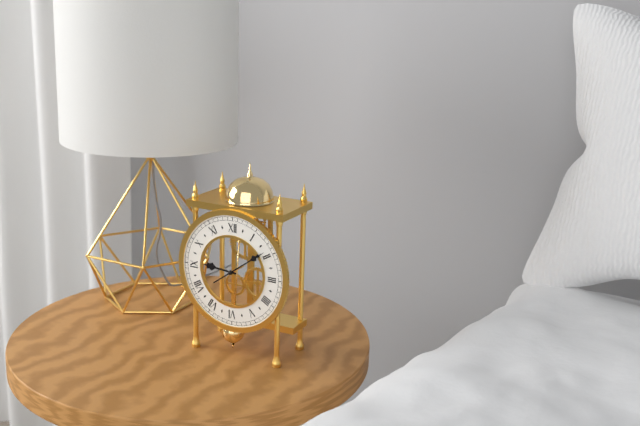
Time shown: h=9 m=9
